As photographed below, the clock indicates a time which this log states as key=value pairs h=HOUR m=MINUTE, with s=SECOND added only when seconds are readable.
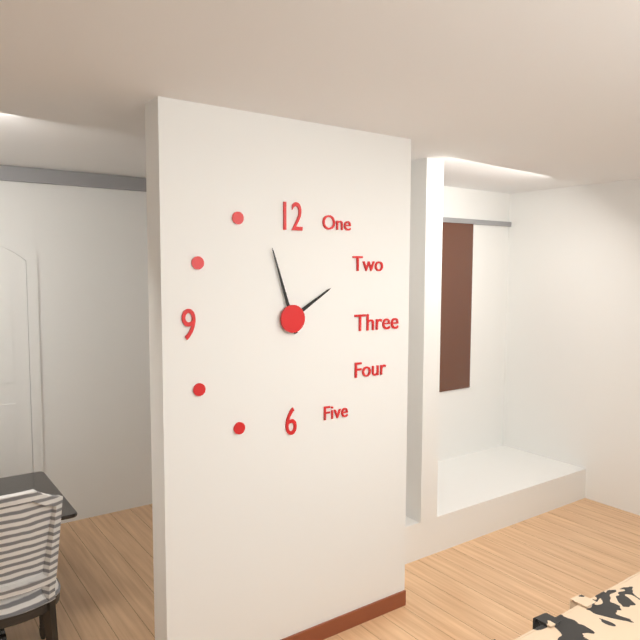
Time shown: h=1 m=57
